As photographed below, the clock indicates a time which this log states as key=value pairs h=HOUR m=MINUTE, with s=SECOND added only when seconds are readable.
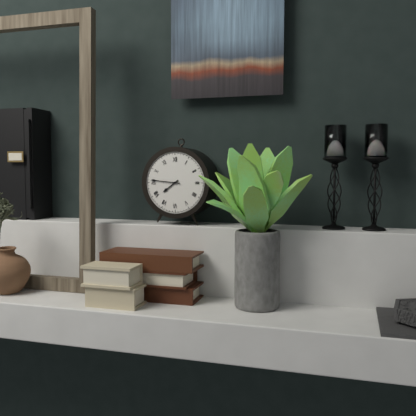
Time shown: h=7 m=46
